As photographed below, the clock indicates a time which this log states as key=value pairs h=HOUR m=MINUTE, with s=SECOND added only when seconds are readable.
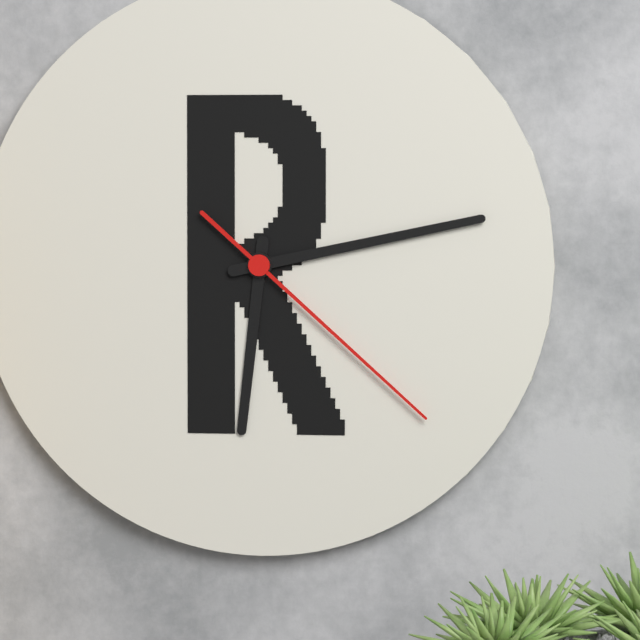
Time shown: h=6 m=13 s=22
